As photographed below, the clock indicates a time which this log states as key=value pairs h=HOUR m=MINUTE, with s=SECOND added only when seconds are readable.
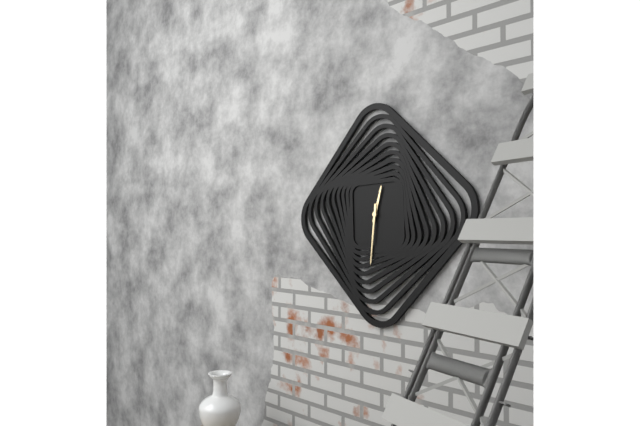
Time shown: h=12 m=31
